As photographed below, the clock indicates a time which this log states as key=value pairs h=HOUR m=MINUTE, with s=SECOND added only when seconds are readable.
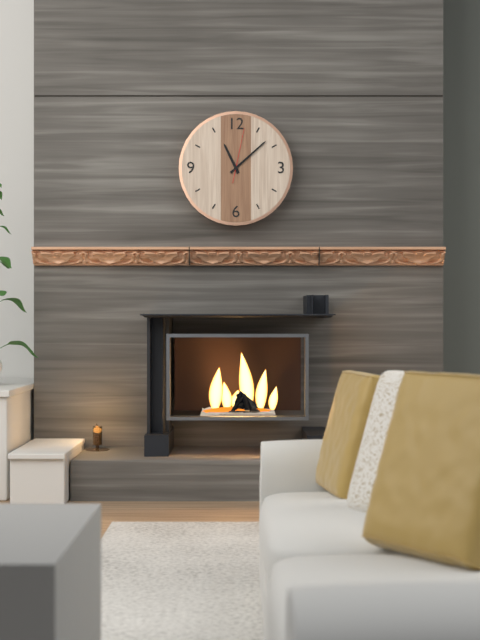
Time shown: h=11 m=8 s=2
